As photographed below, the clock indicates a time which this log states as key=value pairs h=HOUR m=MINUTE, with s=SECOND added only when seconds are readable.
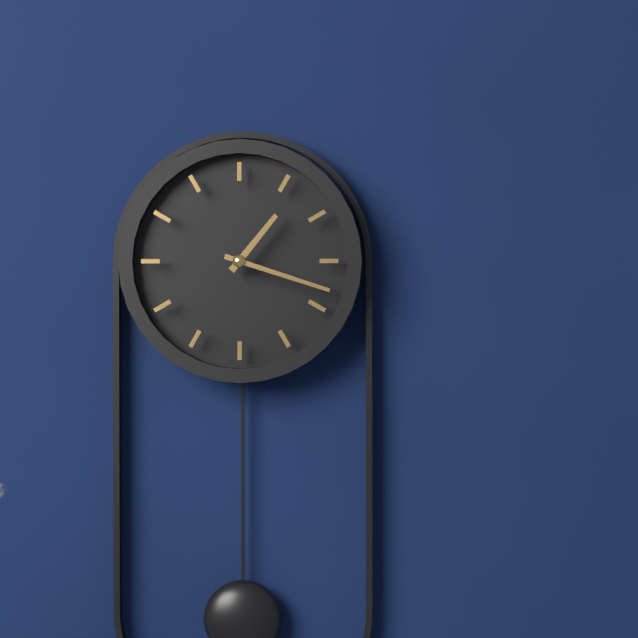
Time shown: h=1 m=18
